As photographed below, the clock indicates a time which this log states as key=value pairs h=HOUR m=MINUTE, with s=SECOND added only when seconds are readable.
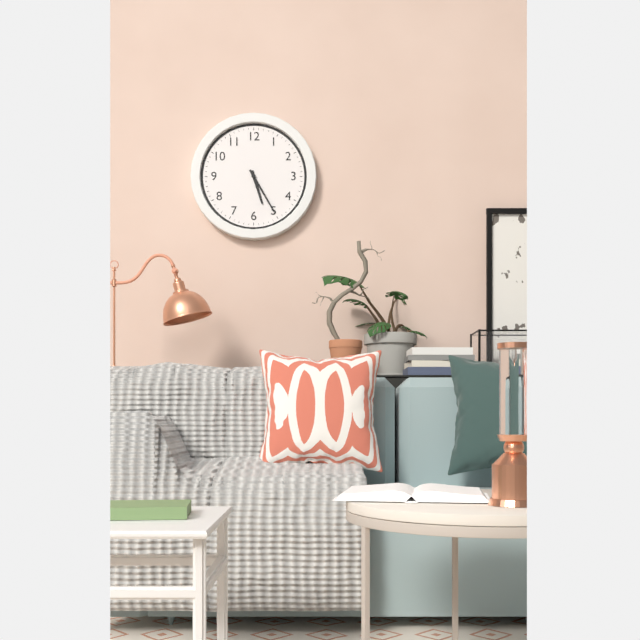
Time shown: h=5 m=25
